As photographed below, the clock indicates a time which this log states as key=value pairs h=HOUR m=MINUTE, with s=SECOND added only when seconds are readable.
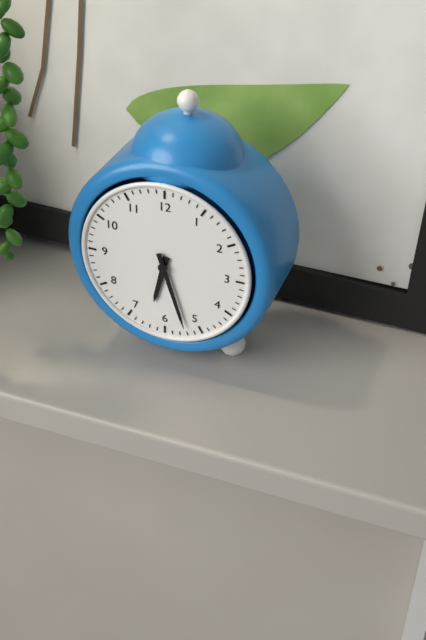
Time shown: h=6 m=27
